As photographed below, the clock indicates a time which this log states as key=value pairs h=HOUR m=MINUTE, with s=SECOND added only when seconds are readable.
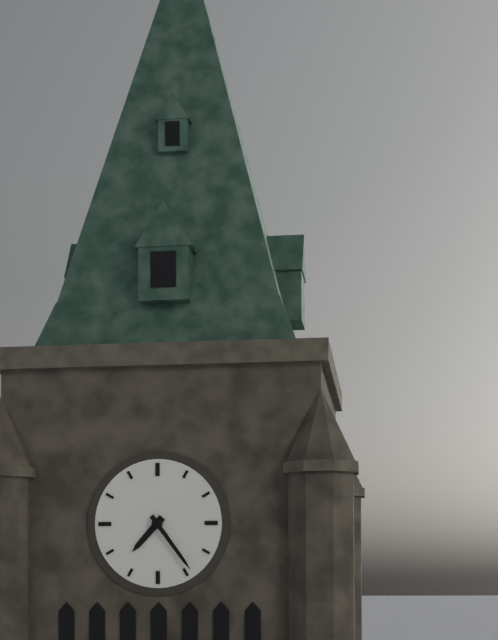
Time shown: h=7 m=24
